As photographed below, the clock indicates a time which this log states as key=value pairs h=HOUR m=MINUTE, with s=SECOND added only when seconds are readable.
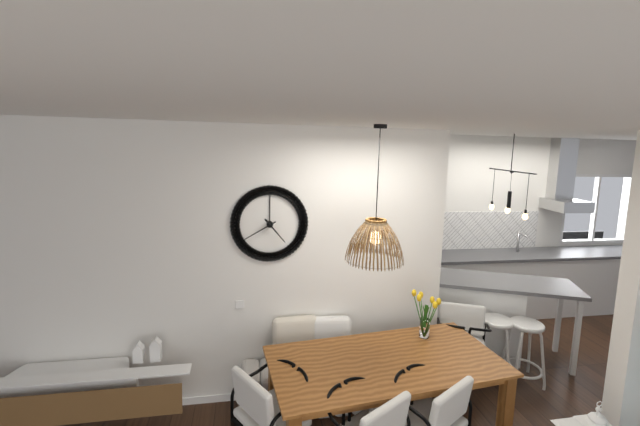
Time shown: h=4 m=40
